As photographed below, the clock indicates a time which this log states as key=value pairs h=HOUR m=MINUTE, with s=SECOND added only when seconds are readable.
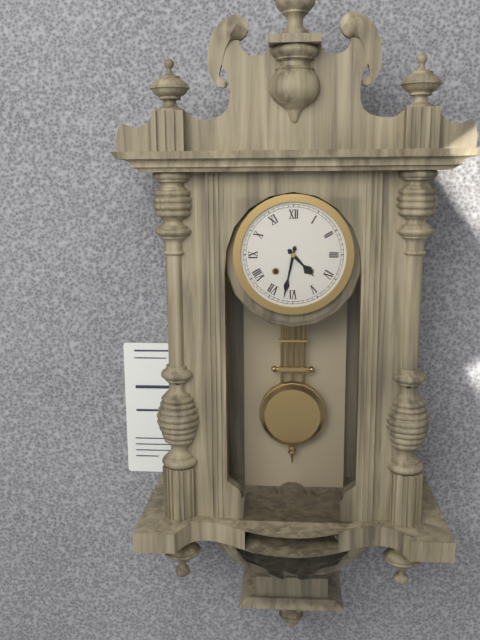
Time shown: h=4 m=32
